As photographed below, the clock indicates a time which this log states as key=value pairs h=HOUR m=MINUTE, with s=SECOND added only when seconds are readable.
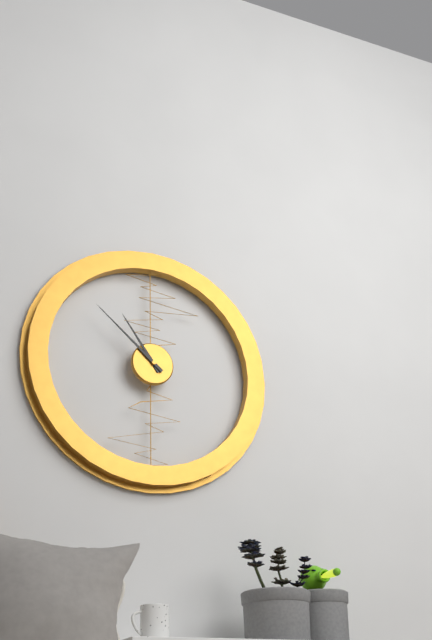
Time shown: h=10 m=52
